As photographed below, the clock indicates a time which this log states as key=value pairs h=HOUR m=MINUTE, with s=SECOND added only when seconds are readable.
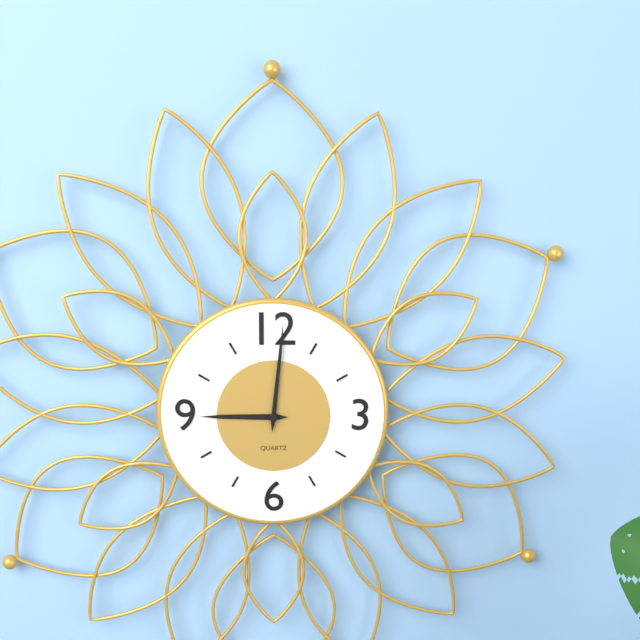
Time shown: h=9 m=1
